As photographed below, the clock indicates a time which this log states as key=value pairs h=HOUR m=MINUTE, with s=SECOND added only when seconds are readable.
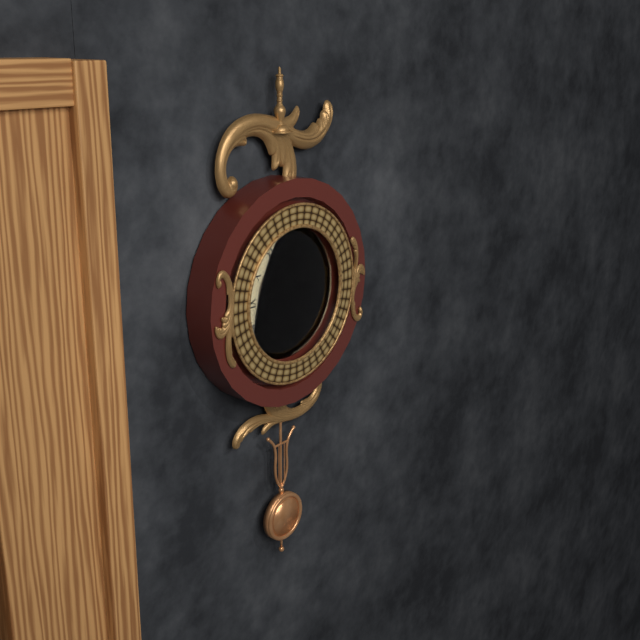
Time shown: h=8 m=28 s=24
